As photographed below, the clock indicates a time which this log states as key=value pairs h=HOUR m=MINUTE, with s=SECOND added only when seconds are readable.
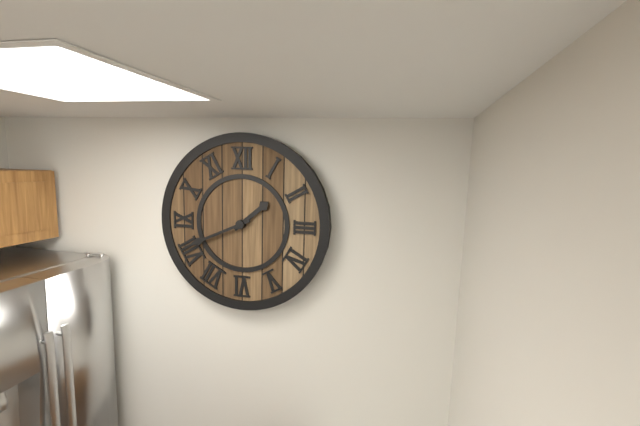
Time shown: h=1 m=41
